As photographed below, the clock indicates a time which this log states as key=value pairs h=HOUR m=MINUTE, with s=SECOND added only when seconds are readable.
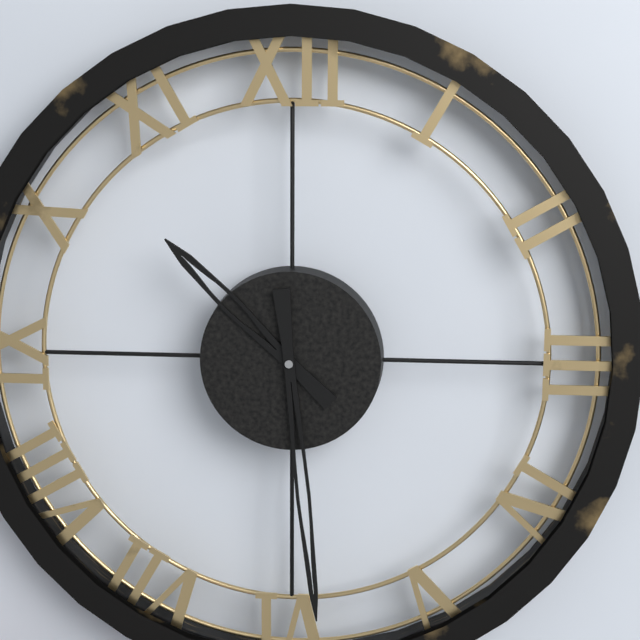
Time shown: h=10 m=29
